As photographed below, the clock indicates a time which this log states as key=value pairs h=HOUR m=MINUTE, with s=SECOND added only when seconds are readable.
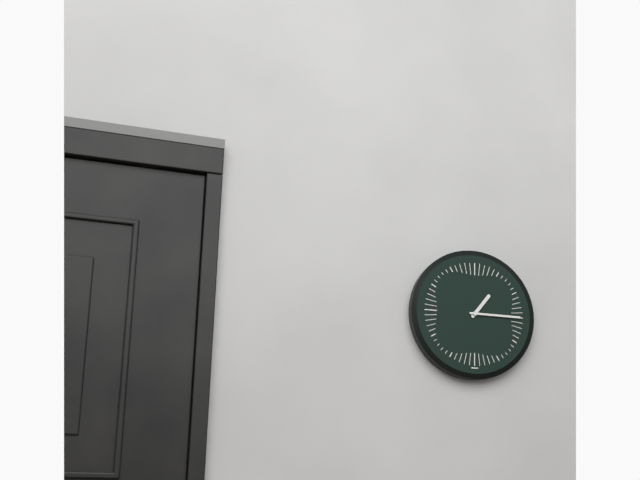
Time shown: h=1 m=15
